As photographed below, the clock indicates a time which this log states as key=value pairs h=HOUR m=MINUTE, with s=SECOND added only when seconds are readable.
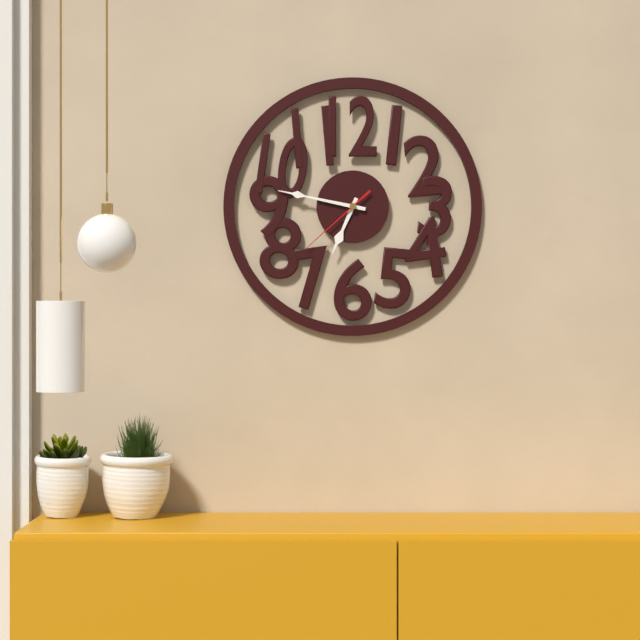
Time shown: h=6 m=47 s=38
